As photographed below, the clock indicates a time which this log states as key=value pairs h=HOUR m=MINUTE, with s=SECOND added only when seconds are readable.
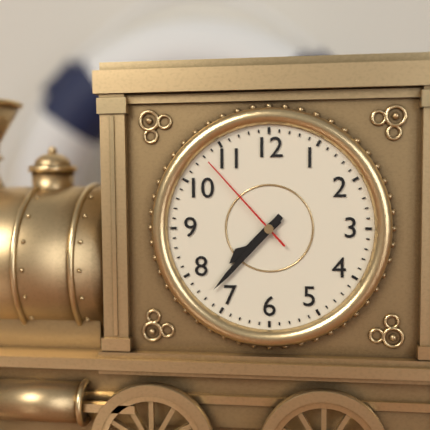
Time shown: h=7 m=37 s=53
